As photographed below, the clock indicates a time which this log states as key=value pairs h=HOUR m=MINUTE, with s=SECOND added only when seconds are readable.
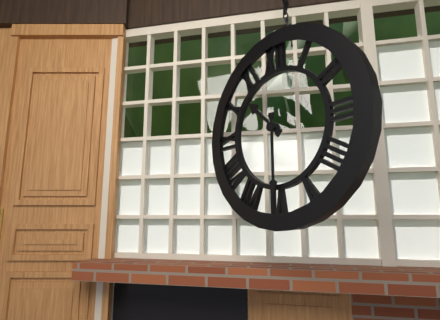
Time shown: h=10 m=30
